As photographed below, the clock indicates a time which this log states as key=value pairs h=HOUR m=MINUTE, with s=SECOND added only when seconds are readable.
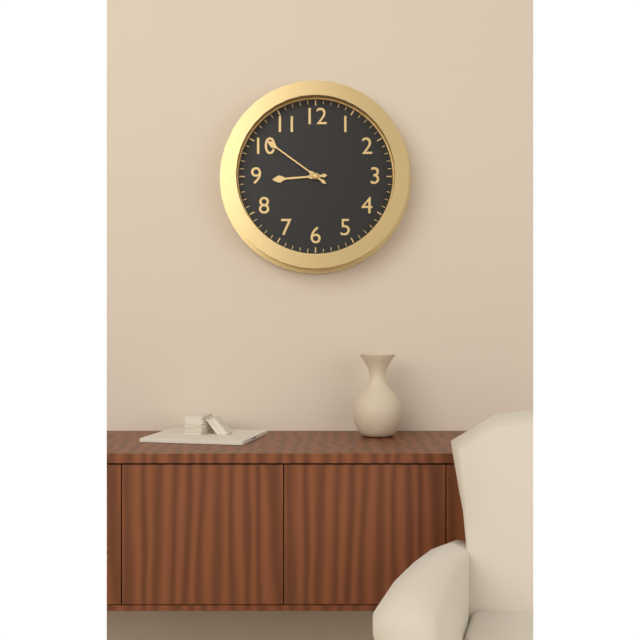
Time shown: h=8 m=51
